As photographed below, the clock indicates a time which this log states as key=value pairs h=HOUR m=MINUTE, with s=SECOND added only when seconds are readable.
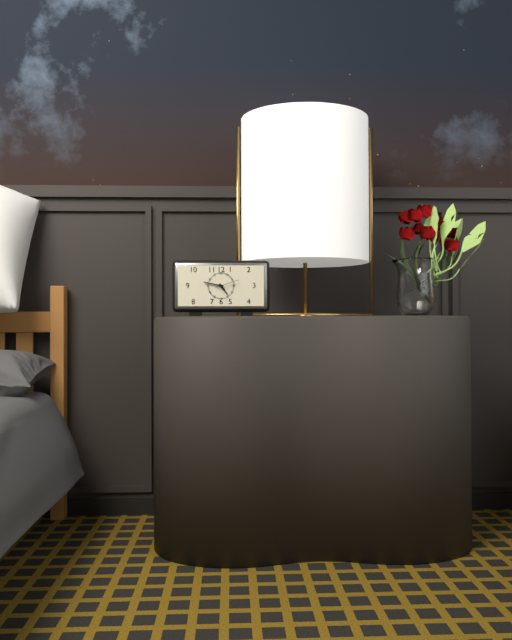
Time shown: h=4 m=47
